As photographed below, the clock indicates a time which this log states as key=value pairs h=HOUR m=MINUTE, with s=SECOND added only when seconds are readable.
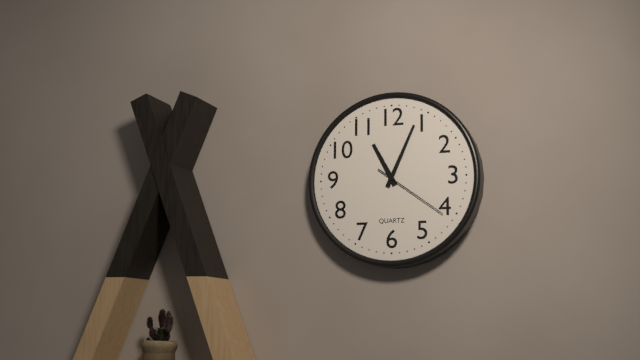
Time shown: h=11 m=4 s=21
